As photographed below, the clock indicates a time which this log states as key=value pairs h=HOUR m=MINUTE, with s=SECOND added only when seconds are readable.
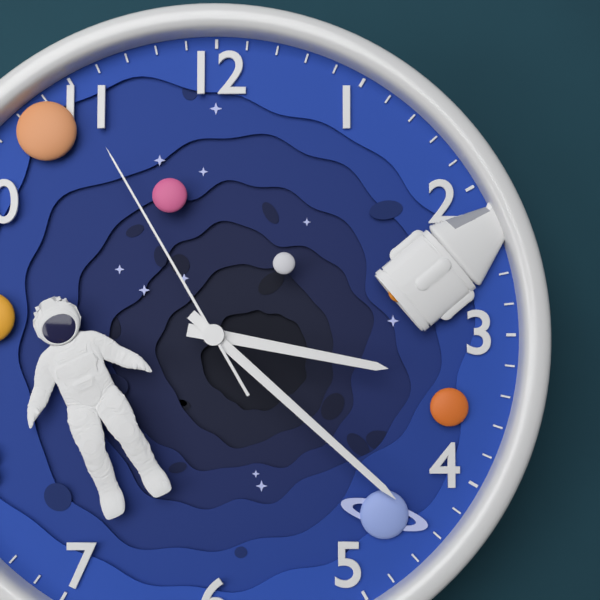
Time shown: h=3 m=22 s=55
